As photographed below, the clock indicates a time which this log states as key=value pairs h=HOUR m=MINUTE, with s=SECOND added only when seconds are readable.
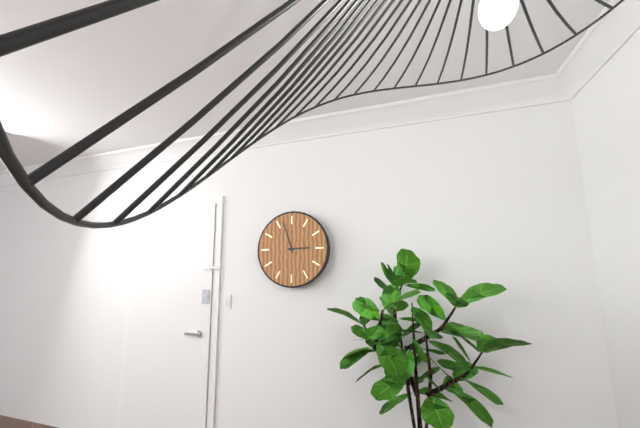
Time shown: h=2 m=57
